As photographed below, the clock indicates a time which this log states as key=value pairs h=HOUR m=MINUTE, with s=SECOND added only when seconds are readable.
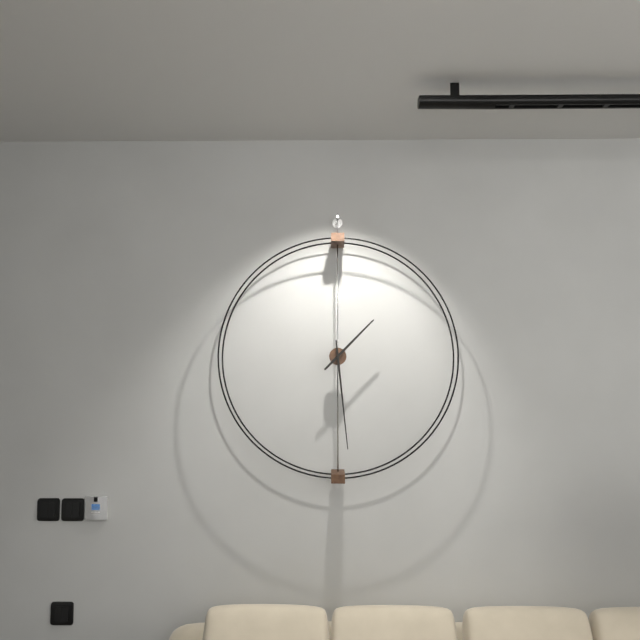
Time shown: h=1 m=29
